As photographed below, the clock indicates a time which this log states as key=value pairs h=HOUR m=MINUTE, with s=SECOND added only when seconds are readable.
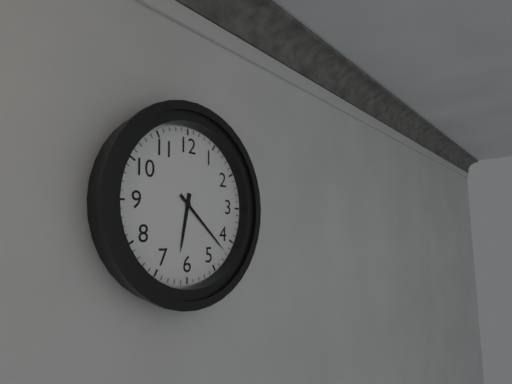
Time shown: h=6 m=22
